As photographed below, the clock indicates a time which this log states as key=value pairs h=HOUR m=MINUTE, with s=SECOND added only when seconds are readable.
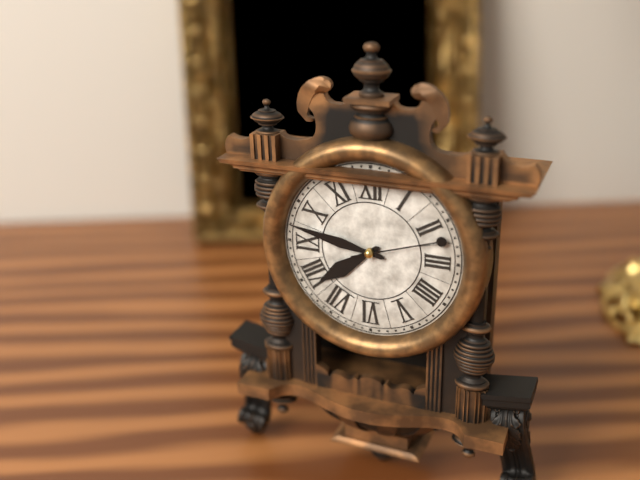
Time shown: h=7 m=47 s=12
